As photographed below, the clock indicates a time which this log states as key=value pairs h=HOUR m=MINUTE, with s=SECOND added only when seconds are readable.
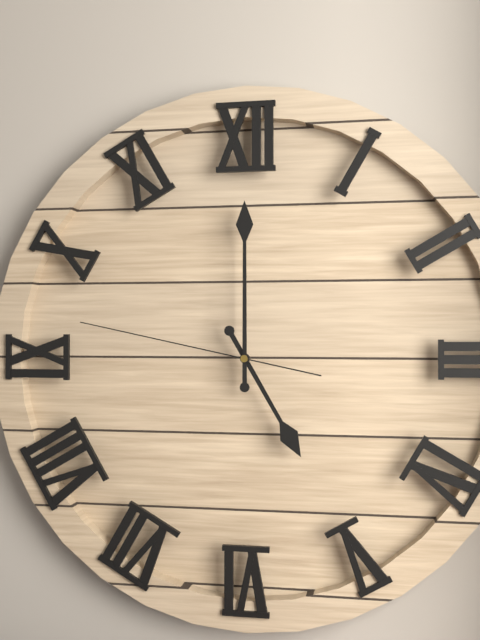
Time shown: h=5 m=0 s=47
